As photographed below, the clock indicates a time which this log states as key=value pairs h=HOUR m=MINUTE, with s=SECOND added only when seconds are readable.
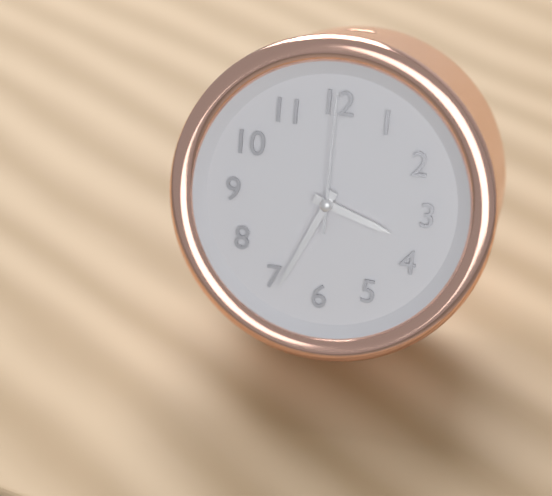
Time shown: h=3 m=34 s=0
